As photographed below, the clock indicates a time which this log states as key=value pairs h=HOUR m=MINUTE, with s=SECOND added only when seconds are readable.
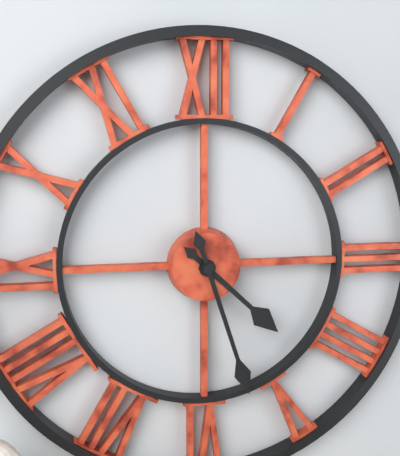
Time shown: h=4 m=27
